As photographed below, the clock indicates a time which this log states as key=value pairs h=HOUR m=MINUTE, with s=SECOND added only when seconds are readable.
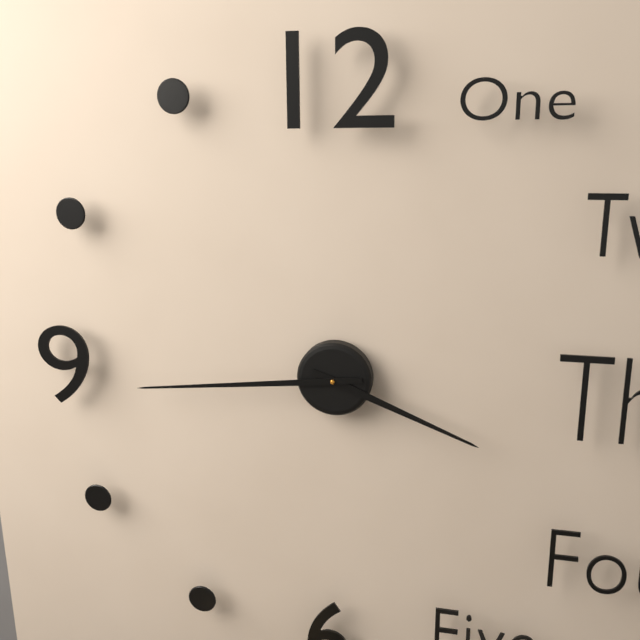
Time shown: h=3 m=44
